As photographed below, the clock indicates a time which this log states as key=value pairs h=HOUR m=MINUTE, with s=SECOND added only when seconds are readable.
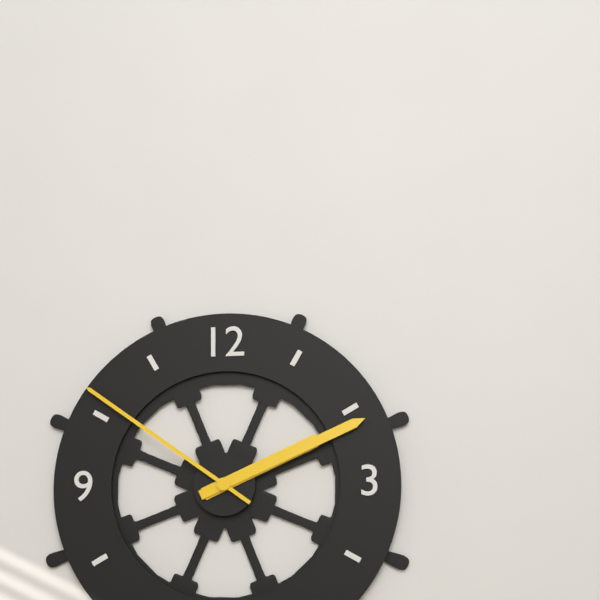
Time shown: h=2 m=11 s=51
